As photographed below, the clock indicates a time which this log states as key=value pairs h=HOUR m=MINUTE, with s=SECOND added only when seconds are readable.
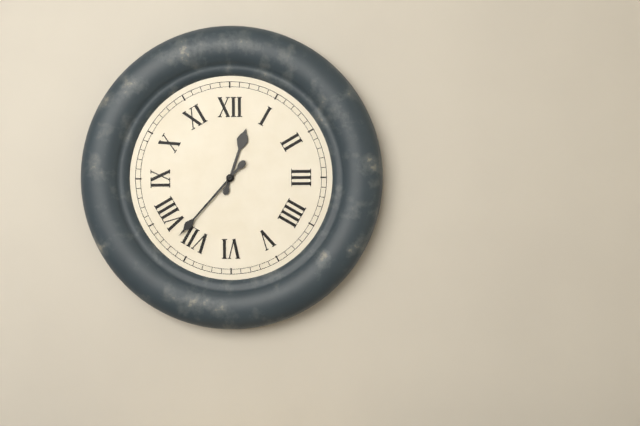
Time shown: h=12 m=37
